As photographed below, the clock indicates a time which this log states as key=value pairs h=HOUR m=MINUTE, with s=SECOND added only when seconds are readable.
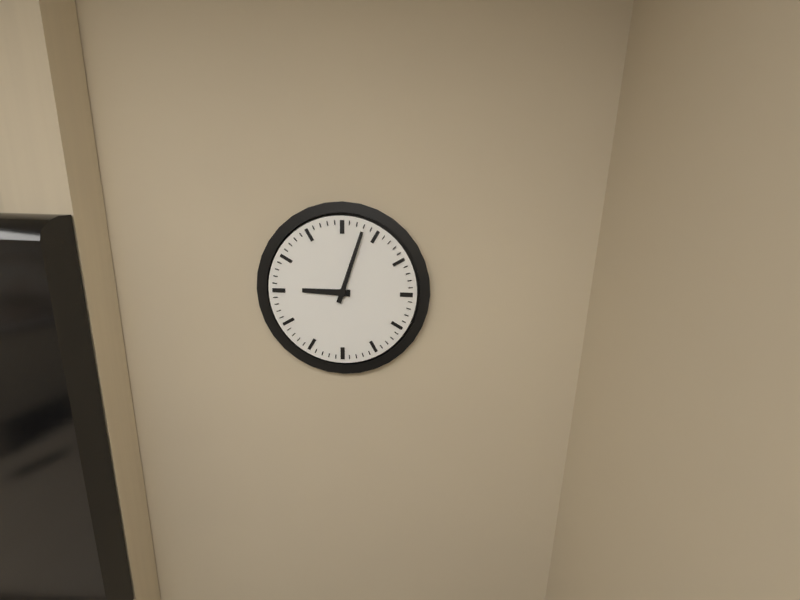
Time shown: h=9 m=3
